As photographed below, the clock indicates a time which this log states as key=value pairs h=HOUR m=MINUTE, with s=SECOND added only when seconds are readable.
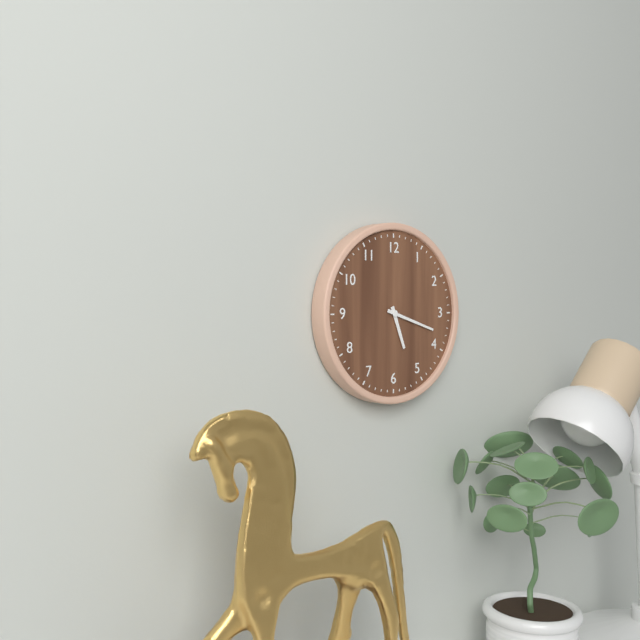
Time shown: h=5 m=18
